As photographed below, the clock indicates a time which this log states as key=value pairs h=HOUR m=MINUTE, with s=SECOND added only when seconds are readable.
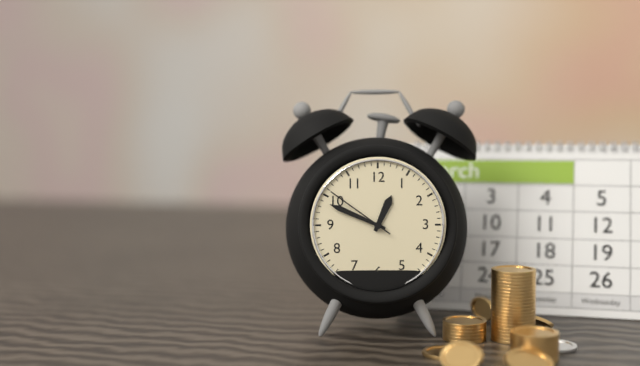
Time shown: h=12 m=49 s=51
